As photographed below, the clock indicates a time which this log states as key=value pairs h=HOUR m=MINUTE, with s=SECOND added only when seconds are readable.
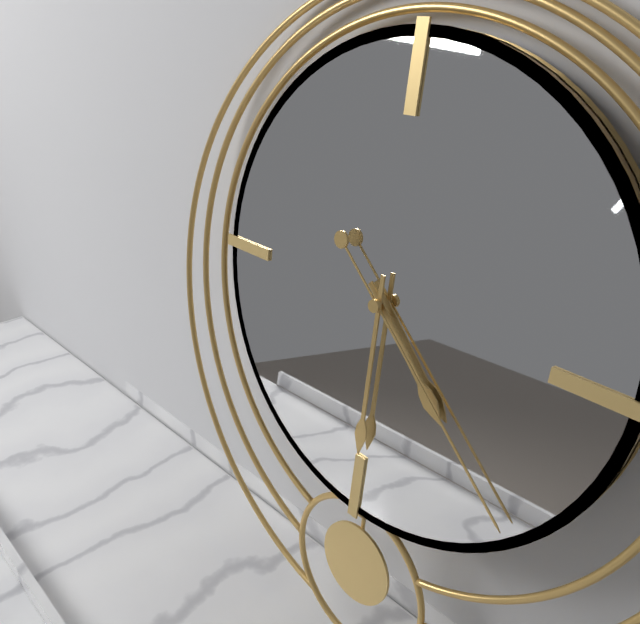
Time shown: h=4 m=30 s=22
